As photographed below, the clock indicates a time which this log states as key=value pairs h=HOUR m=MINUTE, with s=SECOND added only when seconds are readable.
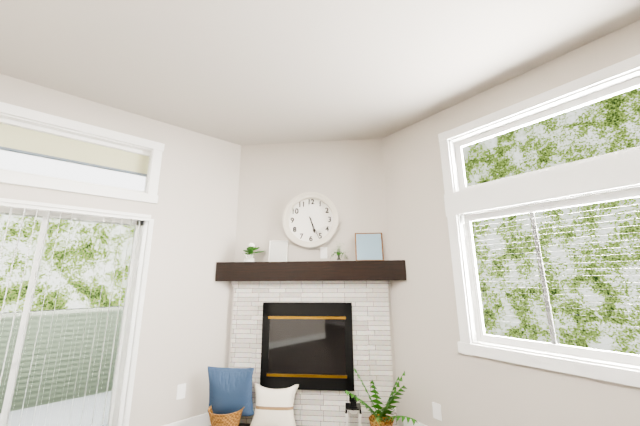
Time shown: h=5 m=26
